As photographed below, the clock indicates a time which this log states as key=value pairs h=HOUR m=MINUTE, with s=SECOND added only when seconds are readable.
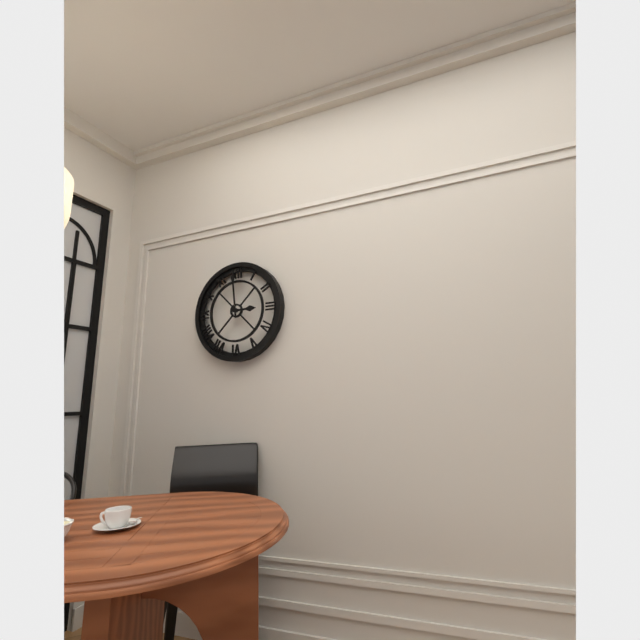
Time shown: h=2 m=59
